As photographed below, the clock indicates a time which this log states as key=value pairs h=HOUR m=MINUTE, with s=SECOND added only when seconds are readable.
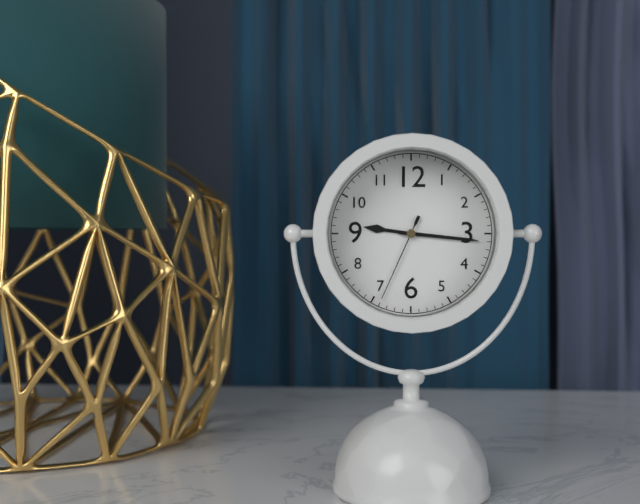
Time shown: h=9 m=16 s=34
